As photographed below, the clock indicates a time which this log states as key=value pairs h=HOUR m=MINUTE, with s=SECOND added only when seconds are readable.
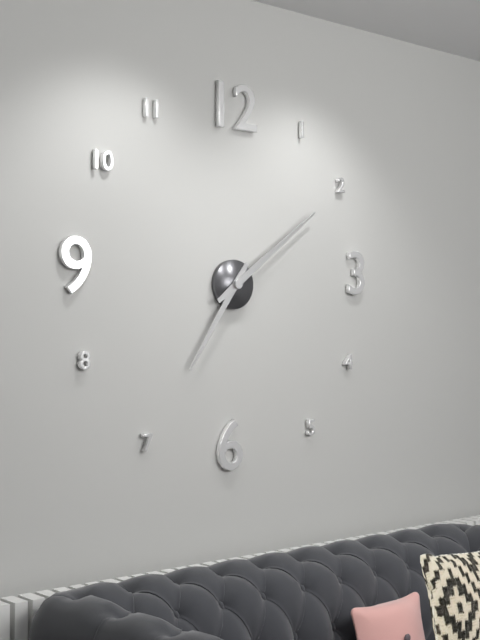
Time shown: h=7 m=9
